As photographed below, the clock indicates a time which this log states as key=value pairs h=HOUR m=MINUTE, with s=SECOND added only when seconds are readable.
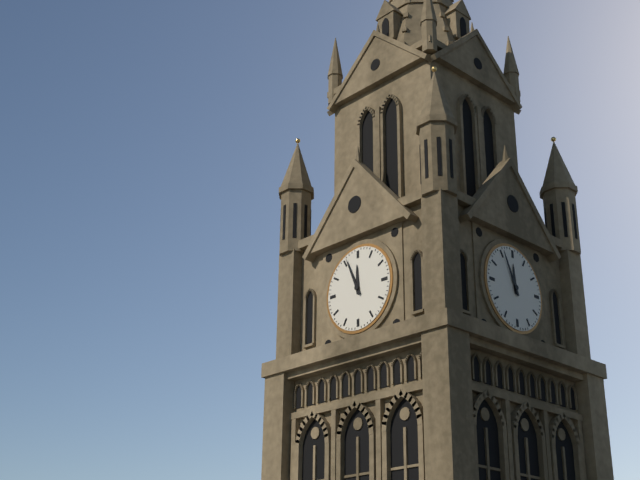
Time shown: h=11 m=56
